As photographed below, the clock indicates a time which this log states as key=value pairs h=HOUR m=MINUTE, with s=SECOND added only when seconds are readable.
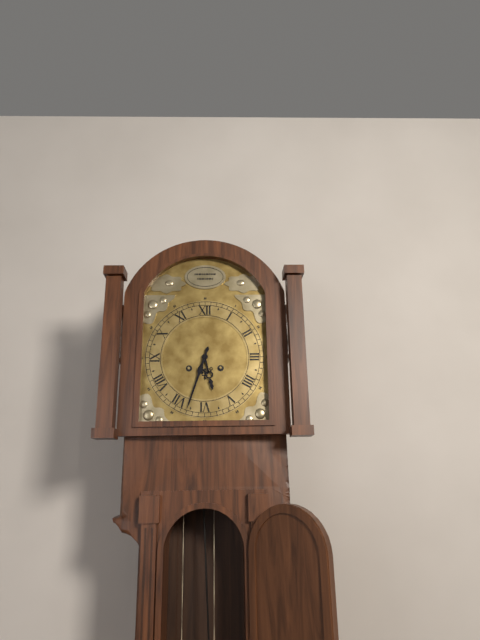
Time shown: h=5 m=33
